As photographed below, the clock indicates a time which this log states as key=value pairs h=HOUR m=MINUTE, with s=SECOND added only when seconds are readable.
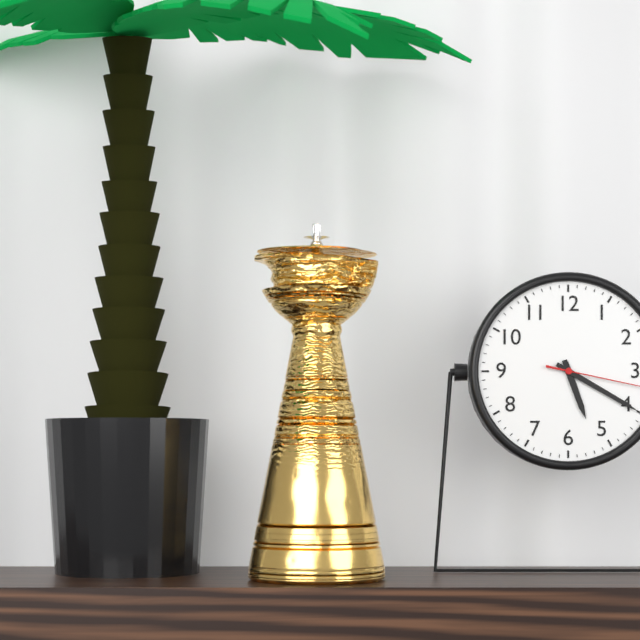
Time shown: h=5 m=20
